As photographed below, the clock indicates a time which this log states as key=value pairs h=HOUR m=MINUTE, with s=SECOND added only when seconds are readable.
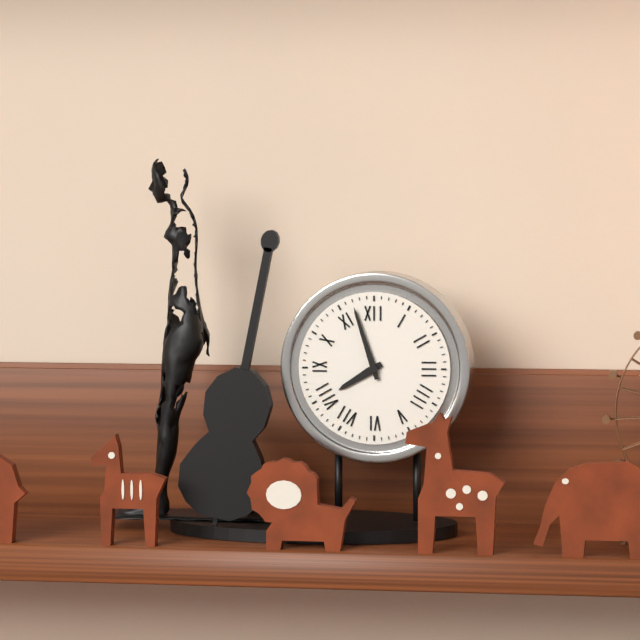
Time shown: h=7 m=57
